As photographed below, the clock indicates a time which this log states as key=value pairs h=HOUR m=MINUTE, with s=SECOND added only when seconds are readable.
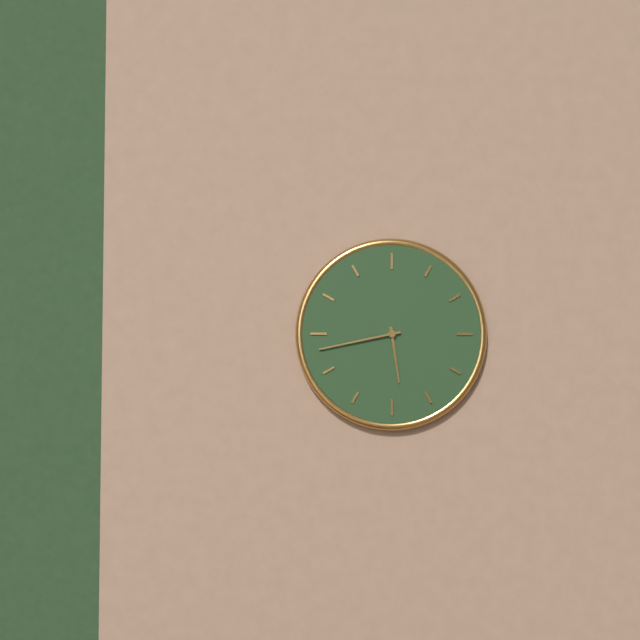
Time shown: h=5 m=43
